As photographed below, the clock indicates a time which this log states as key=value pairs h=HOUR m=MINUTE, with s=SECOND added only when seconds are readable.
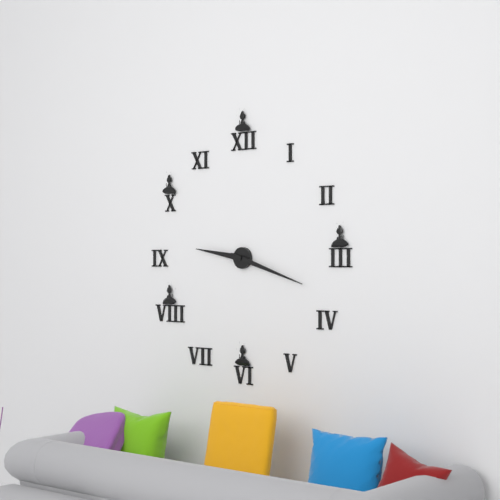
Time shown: h=9 m=18
